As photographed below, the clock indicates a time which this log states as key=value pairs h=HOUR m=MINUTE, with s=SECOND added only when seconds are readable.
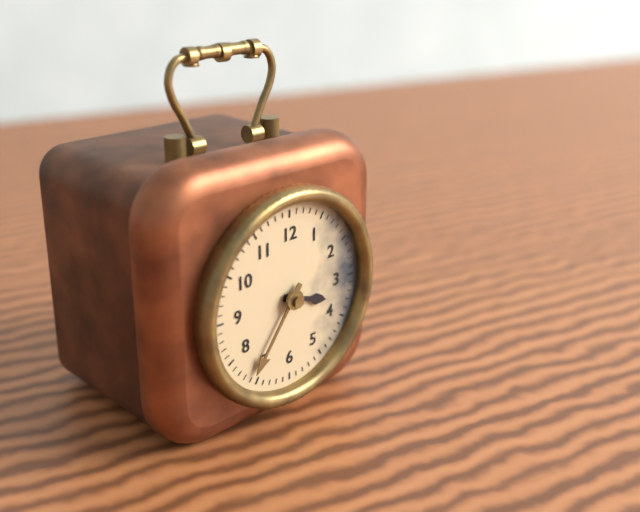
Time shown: h=3 m=36
